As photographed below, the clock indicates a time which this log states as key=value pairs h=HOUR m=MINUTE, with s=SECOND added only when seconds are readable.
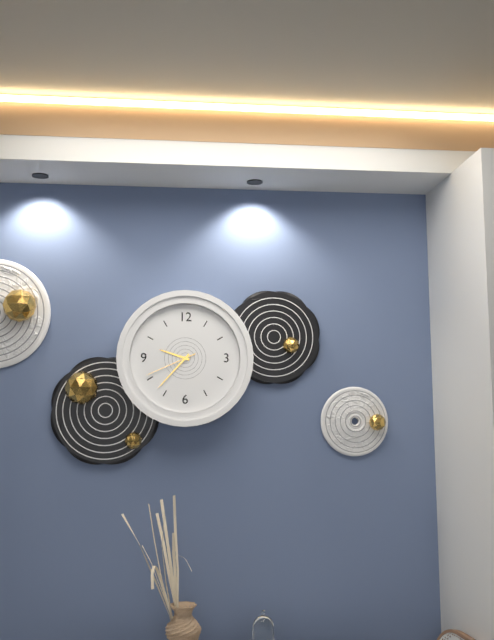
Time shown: h=9 m=37 s=41
